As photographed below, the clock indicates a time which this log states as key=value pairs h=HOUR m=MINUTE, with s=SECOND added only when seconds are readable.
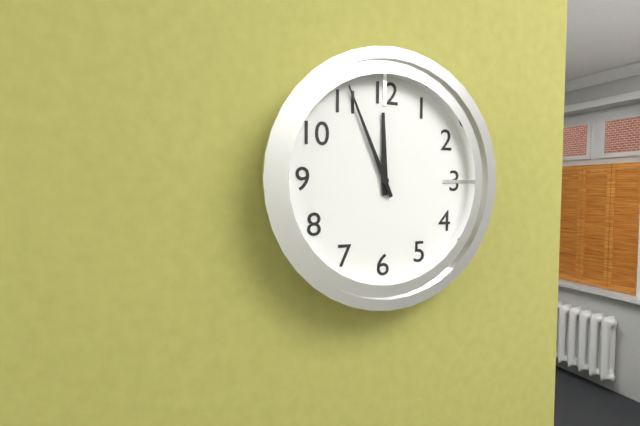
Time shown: h=11 m=56
